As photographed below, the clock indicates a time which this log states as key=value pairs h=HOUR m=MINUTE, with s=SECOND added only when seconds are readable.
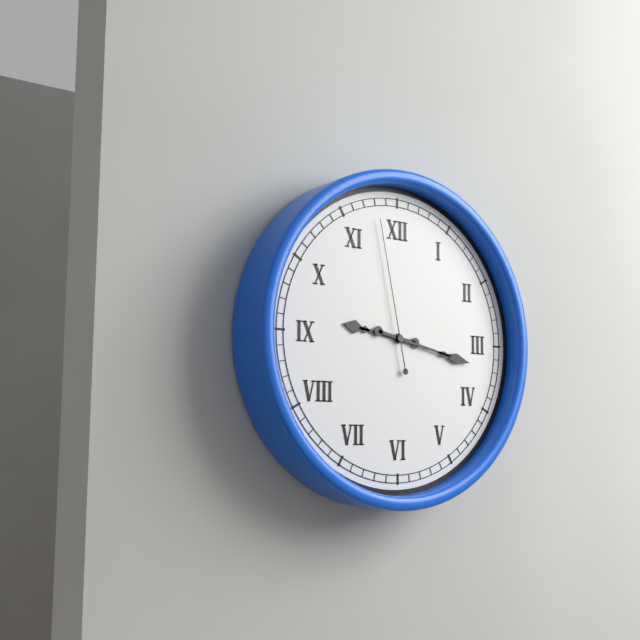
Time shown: h=9 m=17 s=58
